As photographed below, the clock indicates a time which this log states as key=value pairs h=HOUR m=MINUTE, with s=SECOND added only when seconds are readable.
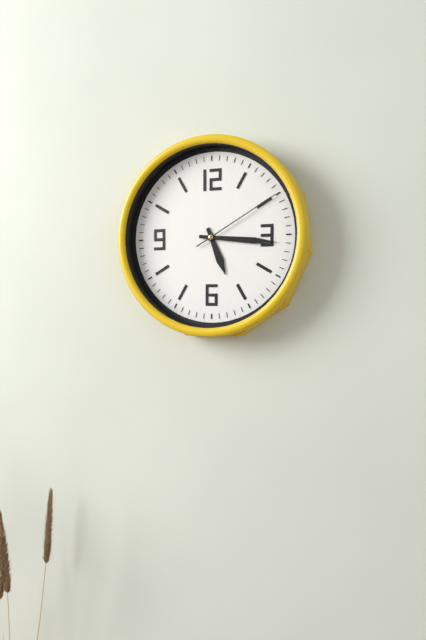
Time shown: h=5 m=16 s=10
